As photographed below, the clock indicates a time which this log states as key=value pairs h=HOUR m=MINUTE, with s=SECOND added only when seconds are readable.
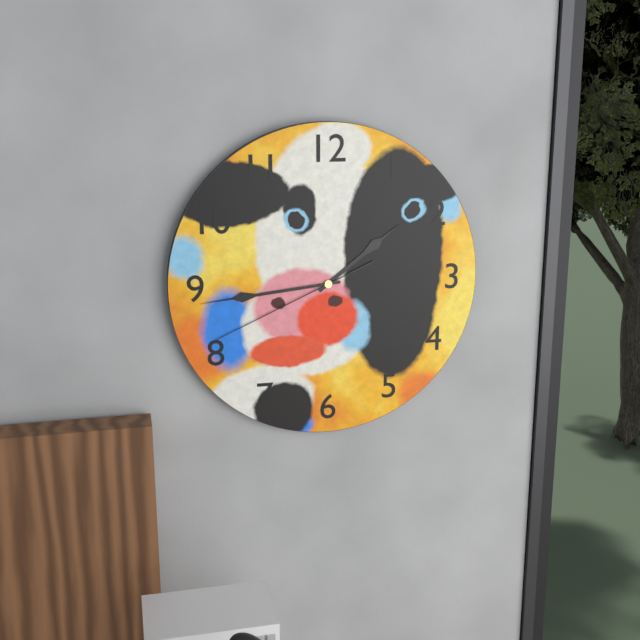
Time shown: h=1 m=44 s=41
